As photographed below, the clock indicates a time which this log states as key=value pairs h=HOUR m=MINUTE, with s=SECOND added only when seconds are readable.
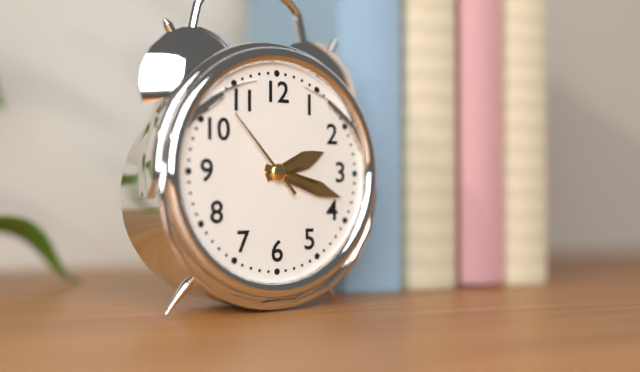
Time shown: h=2 m=18 s=53
